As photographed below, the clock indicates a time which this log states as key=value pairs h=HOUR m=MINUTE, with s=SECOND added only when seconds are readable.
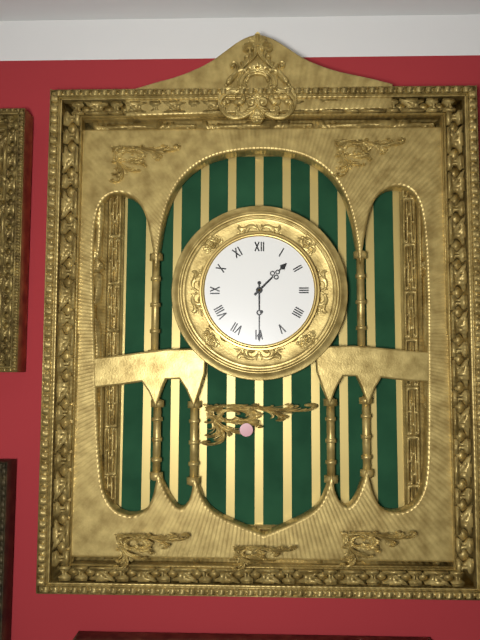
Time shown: h=1 m=30
